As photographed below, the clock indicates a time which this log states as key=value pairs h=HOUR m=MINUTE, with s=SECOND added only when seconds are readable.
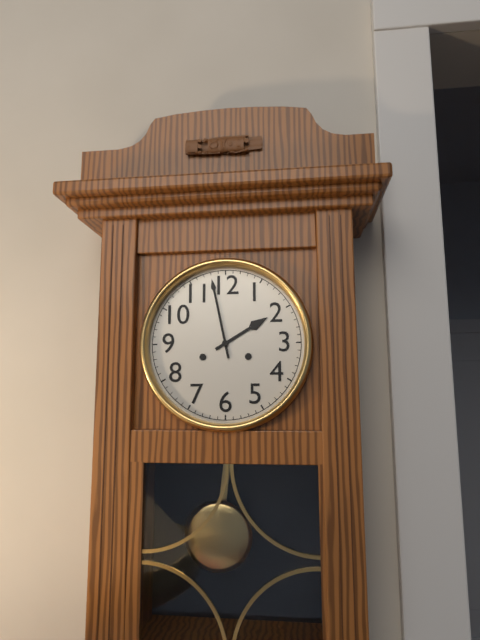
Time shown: h=1 m=58
